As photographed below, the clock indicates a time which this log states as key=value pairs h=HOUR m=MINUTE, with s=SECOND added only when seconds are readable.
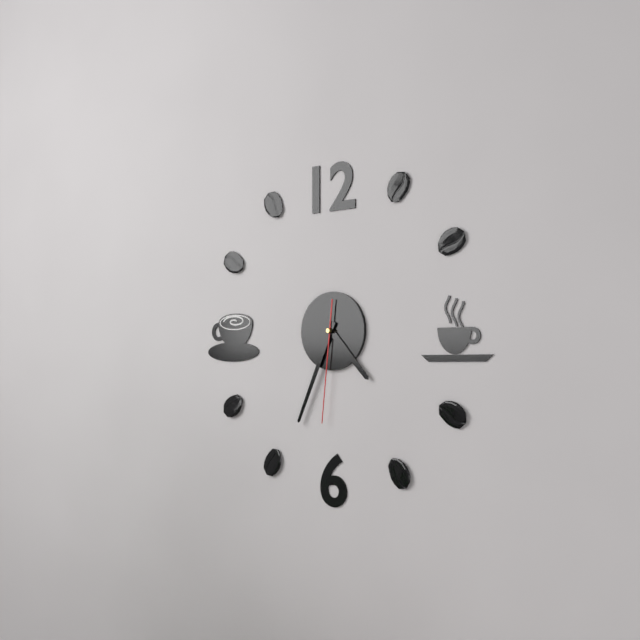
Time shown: h=4 m=34 s=31
